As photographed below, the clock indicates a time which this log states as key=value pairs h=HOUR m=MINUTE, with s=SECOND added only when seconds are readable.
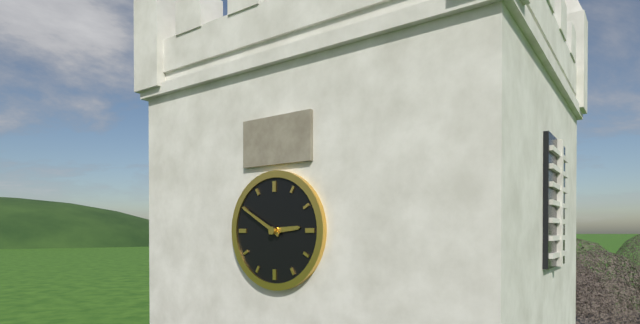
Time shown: h=2 m=50
